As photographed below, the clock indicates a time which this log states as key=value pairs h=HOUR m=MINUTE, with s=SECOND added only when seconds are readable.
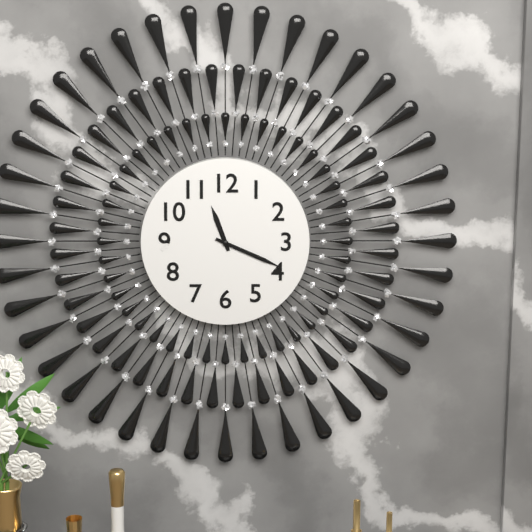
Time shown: h=11 m=19
